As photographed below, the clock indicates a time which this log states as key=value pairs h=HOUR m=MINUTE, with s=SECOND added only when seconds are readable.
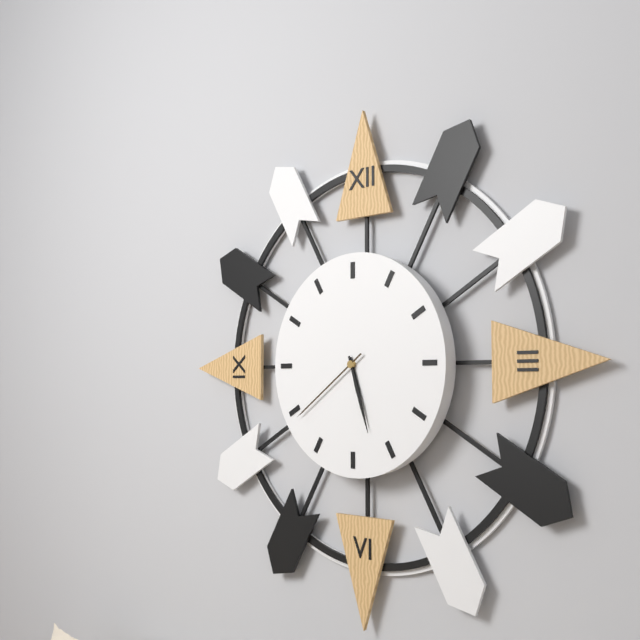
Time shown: h=5 m=27 s=39
